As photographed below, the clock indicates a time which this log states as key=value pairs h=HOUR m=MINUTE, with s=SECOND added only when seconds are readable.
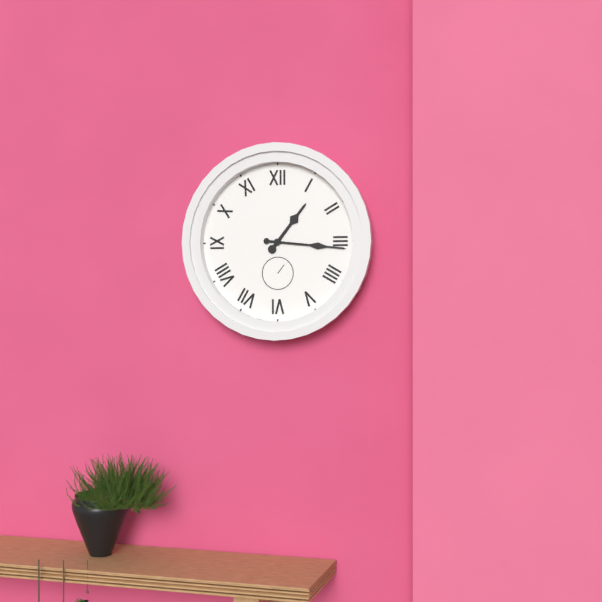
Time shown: h=1 m=16
